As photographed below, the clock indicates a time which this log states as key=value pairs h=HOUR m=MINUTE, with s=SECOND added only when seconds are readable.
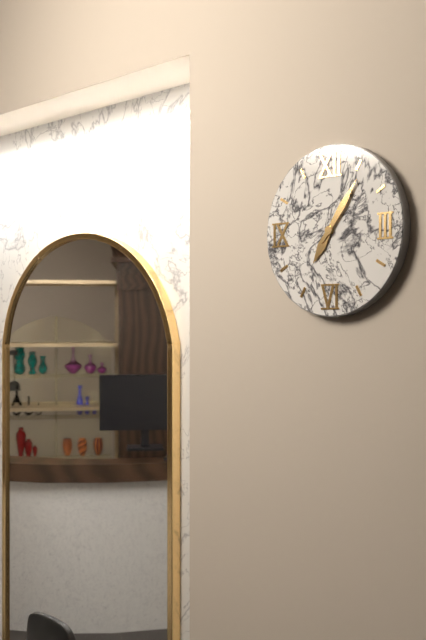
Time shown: h=7 m=6
